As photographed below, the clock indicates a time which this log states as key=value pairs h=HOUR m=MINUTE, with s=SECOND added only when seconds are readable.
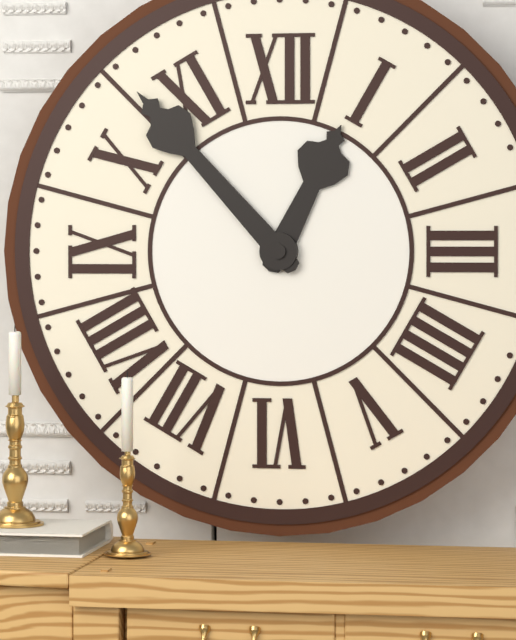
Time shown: h=12 m=53
